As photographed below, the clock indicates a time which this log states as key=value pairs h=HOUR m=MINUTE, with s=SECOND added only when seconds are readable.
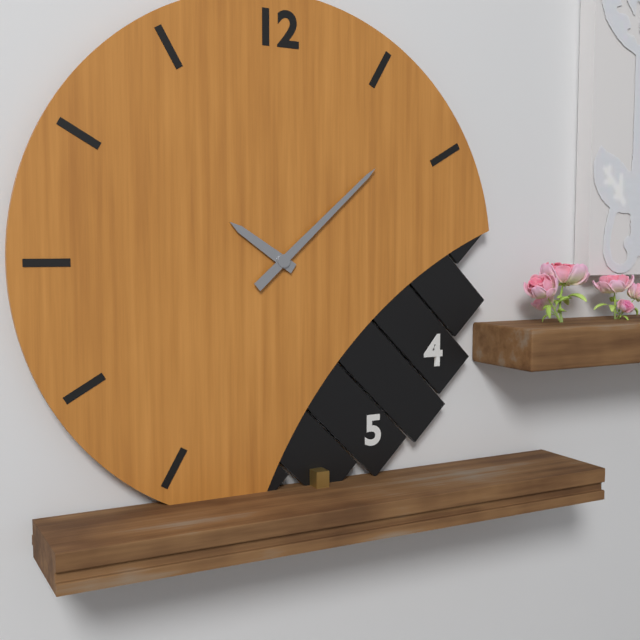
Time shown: h=10 m=8
